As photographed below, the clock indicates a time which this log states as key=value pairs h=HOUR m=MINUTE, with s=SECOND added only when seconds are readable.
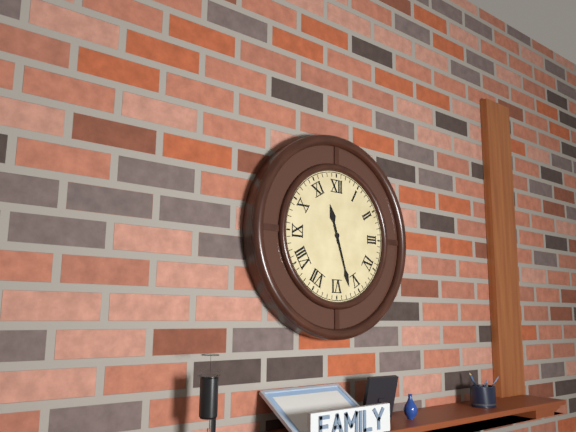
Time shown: h=11 m=27
